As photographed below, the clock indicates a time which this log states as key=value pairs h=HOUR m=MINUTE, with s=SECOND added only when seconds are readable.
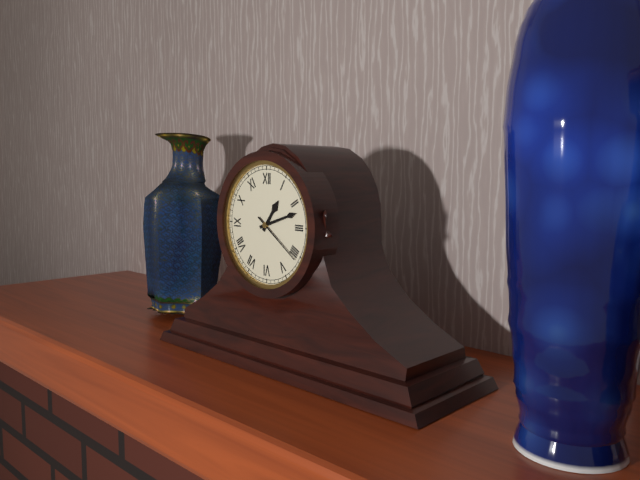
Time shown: h=1 m=12 s=21
